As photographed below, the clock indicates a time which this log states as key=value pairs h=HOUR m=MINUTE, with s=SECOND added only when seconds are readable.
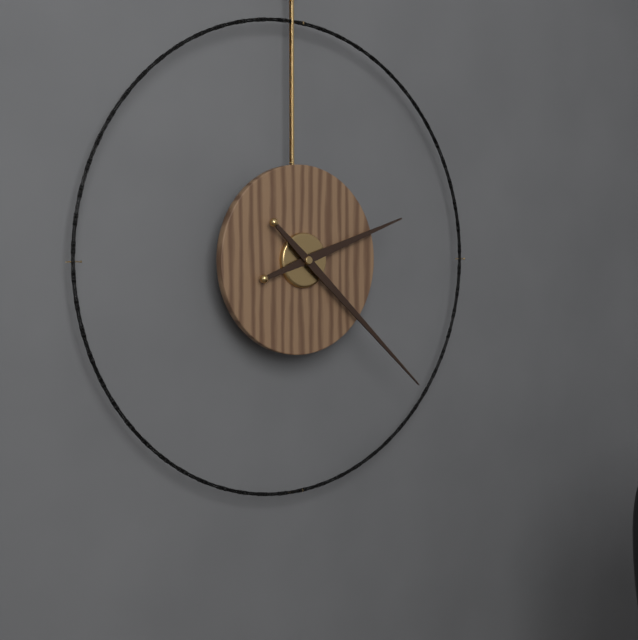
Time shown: h=2 m=22
